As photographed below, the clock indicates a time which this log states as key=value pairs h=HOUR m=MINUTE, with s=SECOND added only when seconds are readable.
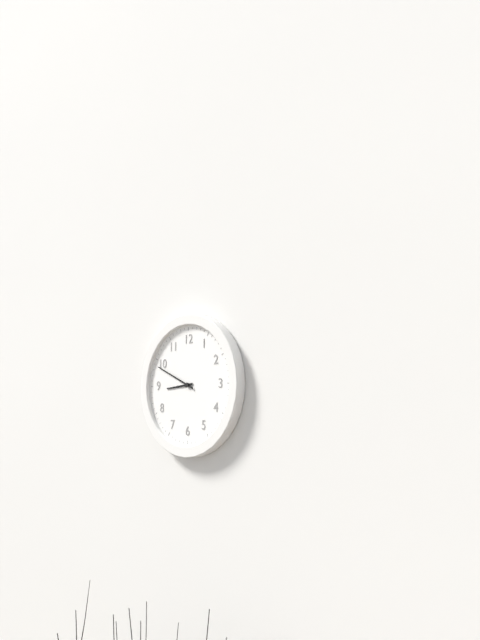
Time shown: h=8 m=49
